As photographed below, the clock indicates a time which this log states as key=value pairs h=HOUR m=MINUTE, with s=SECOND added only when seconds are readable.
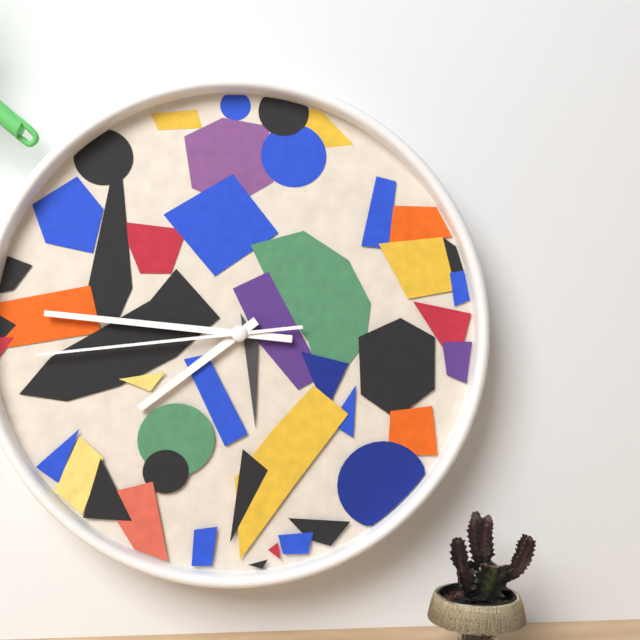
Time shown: h=7 m=46 s=44
